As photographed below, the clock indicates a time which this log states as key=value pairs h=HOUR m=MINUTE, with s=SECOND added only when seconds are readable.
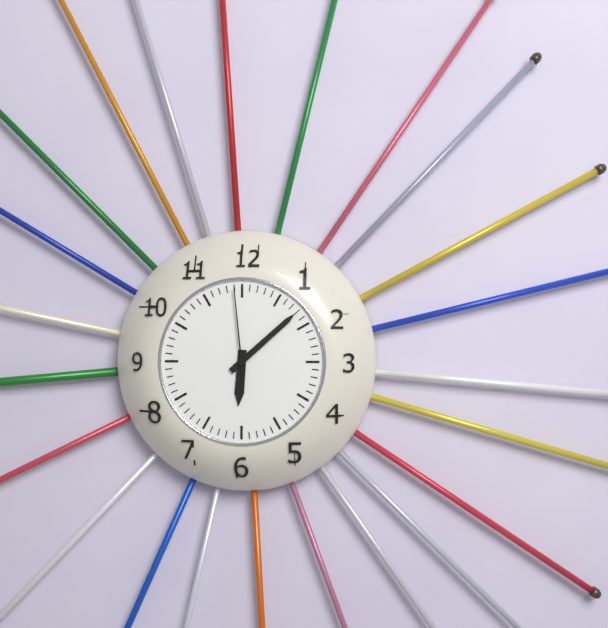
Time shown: h=6 m=8 s=59
